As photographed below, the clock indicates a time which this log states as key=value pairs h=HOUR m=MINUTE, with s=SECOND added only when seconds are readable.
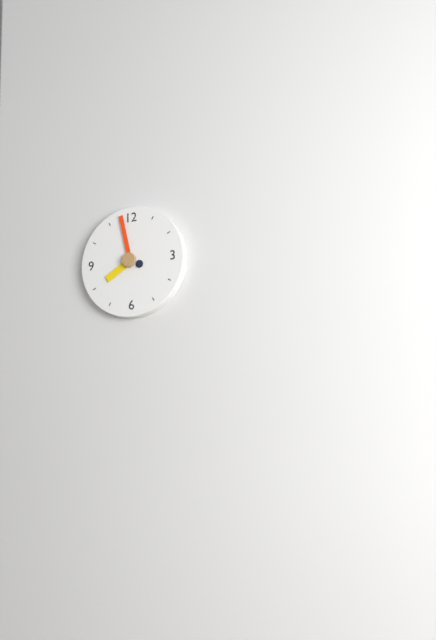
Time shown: h=7 m=58
